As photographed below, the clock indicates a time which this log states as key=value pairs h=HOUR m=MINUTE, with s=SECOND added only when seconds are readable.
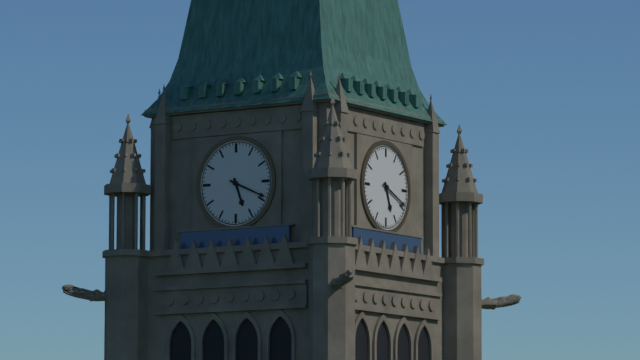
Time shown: h=5 m=19
